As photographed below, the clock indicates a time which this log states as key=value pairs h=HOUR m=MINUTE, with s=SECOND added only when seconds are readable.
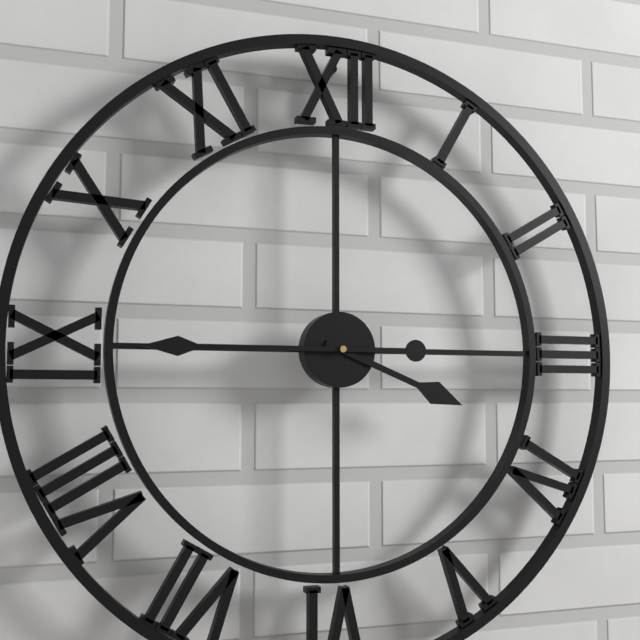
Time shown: h=3 m=45
